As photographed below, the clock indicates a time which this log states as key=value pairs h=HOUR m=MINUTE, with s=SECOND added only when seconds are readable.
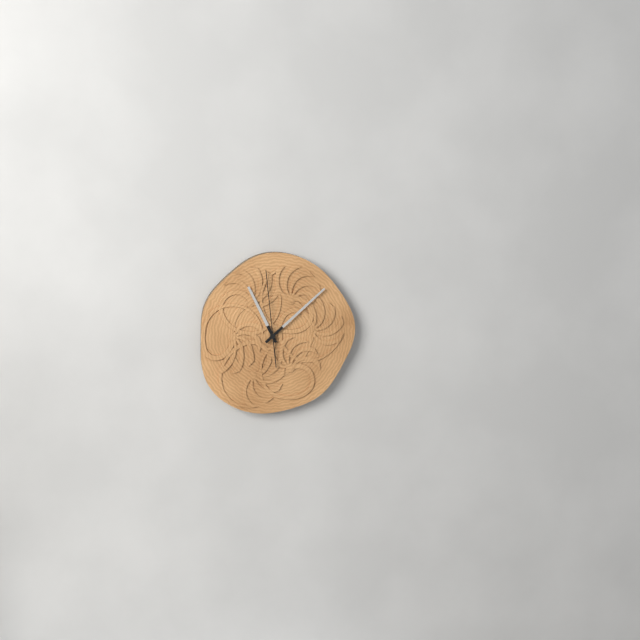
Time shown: h=11 m=8 s=59
